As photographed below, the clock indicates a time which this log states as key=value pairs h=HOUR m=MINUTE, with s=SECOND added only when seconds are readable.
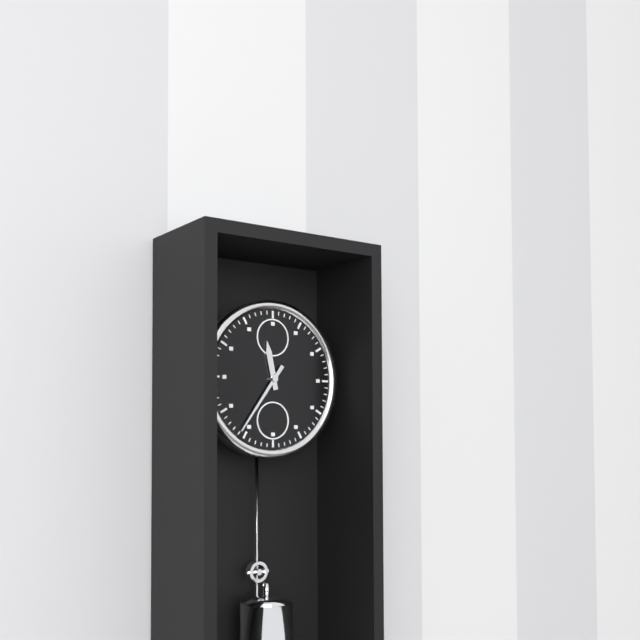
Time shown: h=11 m=36
